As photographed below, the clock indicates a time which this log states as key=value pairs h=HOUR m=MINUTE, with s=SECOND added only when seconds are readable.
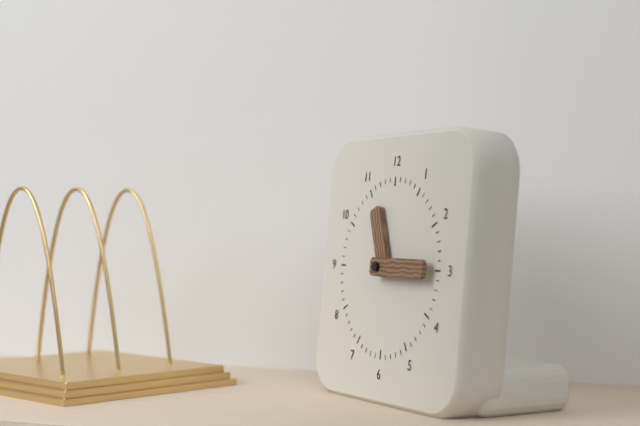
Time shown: h=11 m=15
